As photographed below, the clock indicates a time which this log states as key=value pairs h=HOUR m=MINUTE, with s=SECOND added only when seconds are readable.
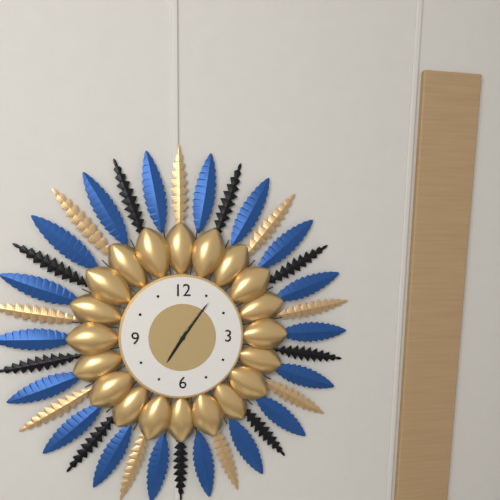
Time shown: h=7 m=6
